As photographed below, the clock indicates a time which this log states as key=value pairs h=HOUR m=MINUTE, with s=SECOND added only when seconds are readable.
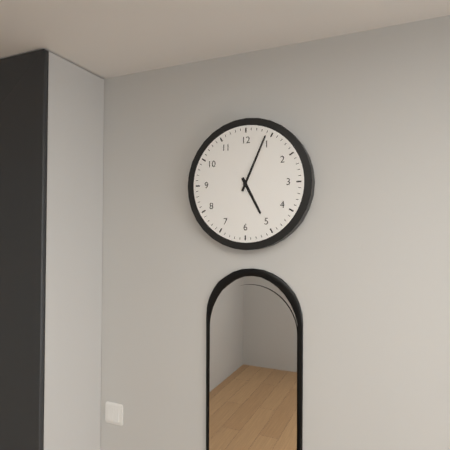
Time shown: h=5 m=4
